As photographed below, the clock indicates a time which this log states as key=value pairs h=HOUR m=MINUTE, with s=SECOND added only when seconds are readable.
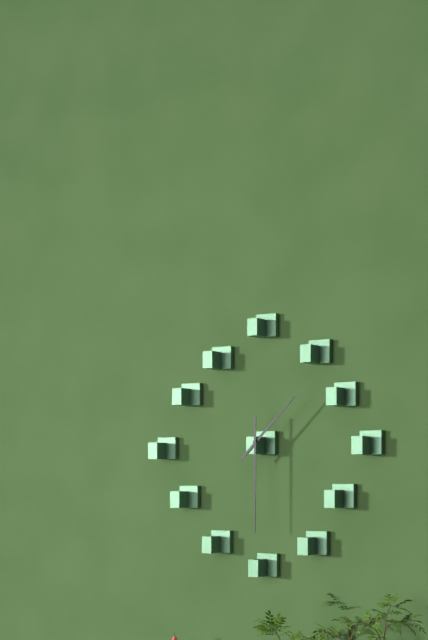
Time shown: h=1 m=30
